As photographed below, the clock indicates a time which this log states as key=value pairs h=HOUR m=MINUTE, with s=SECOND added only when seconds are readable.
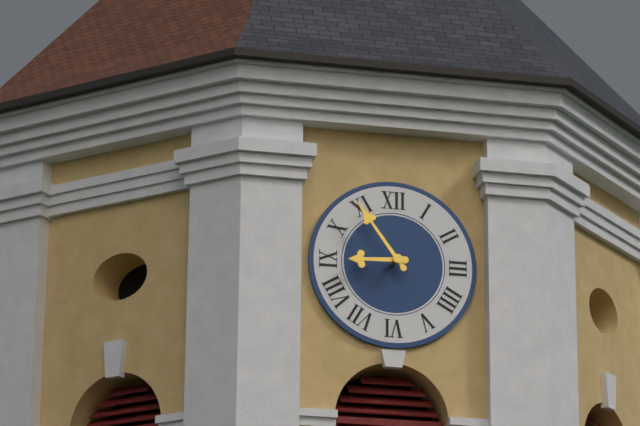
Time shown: h=8 m=54
